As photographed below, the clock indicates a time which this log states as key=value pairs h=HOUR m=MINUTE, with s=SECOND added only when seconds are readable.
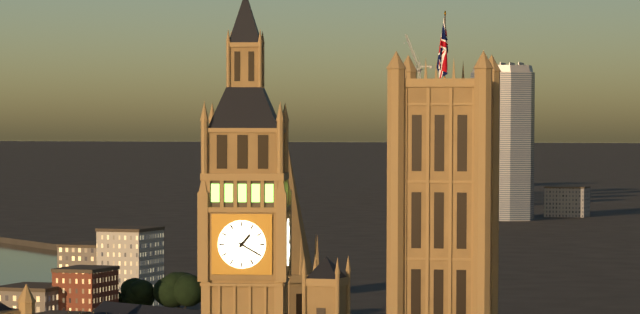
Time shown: h=1 m=20
